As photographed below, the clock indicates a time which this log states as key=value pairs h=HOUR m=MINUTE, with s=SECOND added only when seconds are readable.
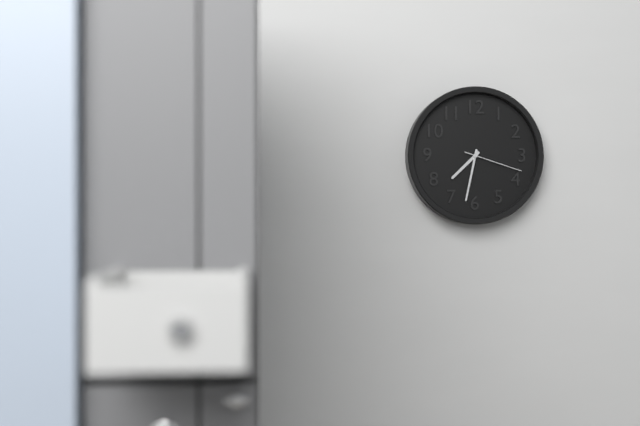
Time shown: h=7 m=32 s=18
